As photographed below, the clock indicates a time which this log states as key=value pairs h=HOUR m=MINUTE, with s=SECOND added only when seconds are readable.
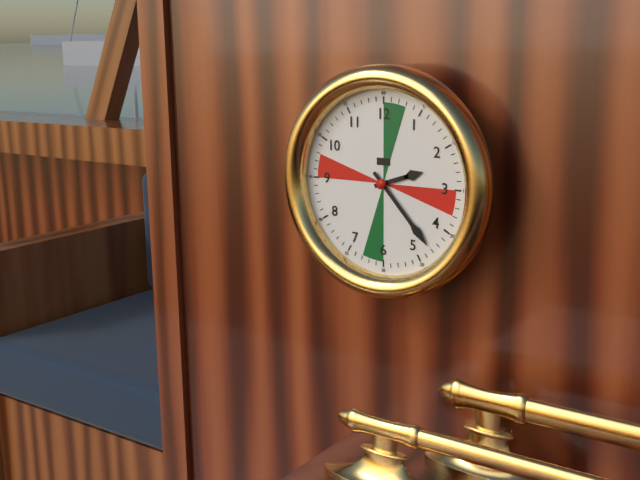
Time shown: h=2 m=23
